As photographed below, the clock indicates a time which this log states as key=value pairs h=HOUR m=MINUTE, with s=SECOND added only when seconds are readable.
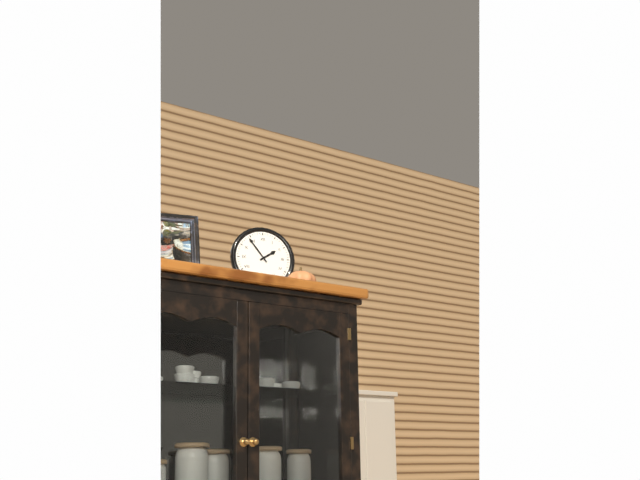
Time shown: h=1 m=54
